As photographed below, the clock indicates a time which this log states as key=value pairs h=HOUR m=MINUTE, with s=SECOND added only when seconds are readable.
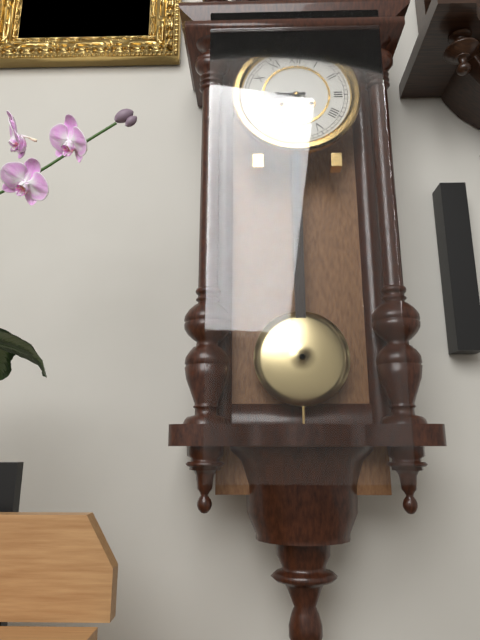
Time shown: h=8 m=45
